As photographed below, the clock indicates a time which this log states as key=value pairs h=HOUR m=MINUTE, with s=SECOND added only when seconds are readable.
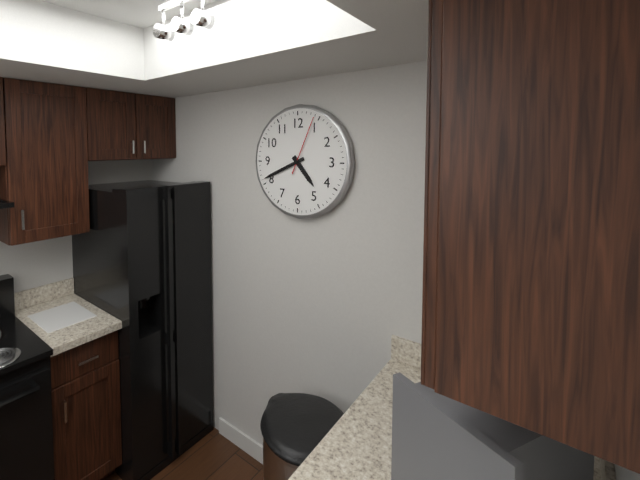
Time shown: h=4 m=41 s=4
